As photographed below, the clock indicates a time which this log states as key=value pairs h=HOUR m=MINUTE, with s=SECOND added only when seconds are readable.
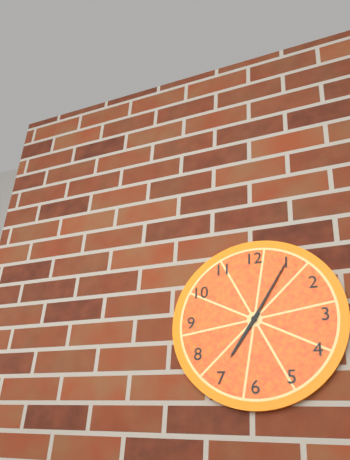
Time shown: h=7 m=5
